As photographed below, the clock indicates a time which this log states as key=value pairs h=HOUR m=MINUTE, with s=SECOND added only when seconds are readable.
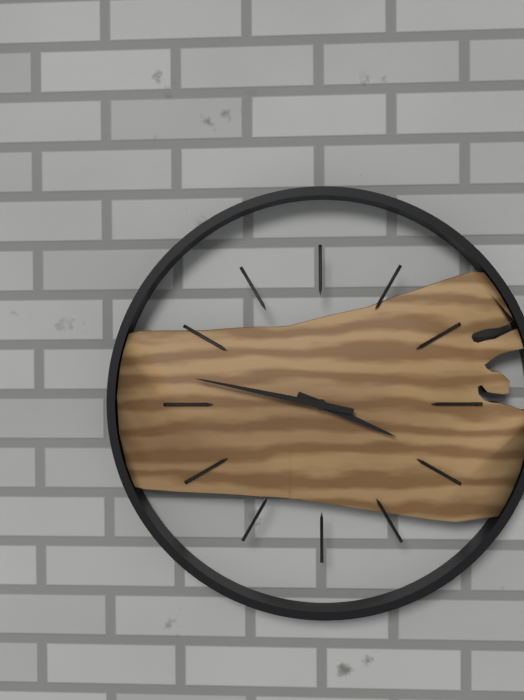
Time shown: h=3 m=47
